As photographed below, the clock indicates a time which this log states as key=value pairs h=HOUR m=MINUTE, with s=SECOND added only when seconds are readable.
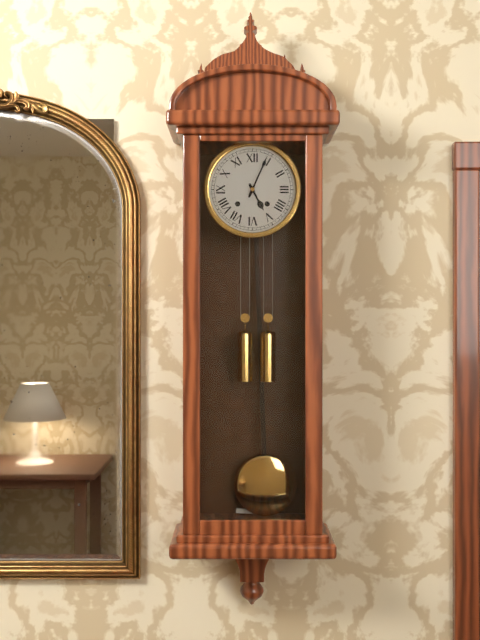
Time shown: h=5 m=4
